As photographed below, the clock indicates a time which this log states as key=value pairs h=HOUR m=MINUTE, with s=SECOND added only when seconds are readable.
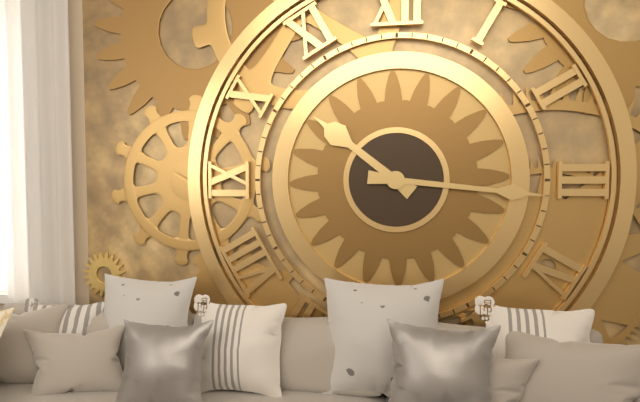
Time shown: h=10 m=16
